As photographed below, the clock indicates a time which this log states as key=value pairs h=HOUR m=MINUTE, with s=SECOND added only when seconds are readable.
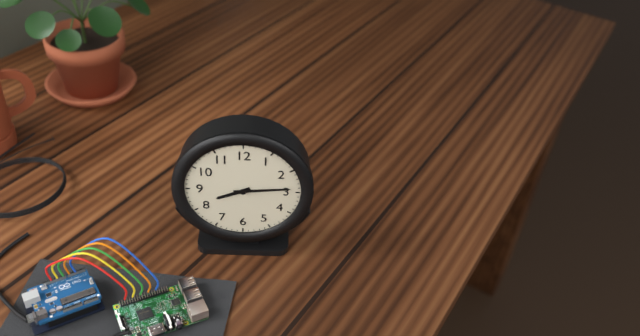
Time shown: h=8 m=14
